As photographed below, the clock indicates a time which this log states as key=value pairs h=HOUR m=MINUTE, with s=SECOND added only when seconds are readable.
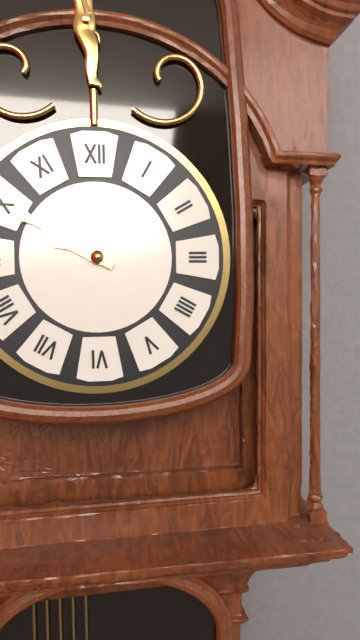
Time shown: h=9 m=50
